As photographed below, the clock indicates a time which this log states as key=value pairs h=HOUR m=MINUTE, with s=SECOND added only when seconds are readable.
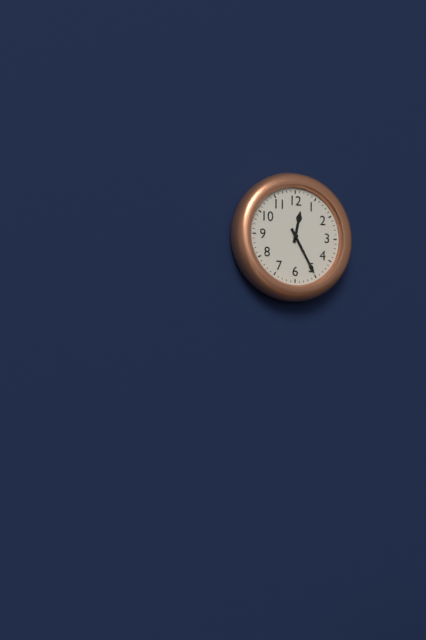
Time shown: h=12 m=25
